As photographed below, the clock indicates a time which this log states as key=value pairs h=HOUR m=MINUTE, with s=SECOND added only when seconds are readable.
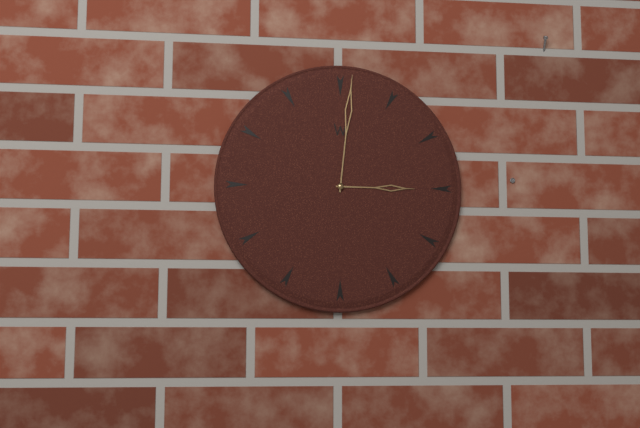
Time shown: h=3 m=1
